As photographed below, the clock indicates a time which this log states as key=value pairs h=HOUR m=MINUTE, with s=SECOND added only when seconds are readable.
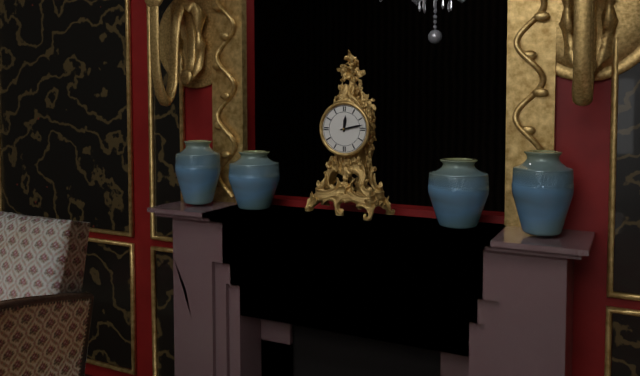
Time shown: h=12 m=13
